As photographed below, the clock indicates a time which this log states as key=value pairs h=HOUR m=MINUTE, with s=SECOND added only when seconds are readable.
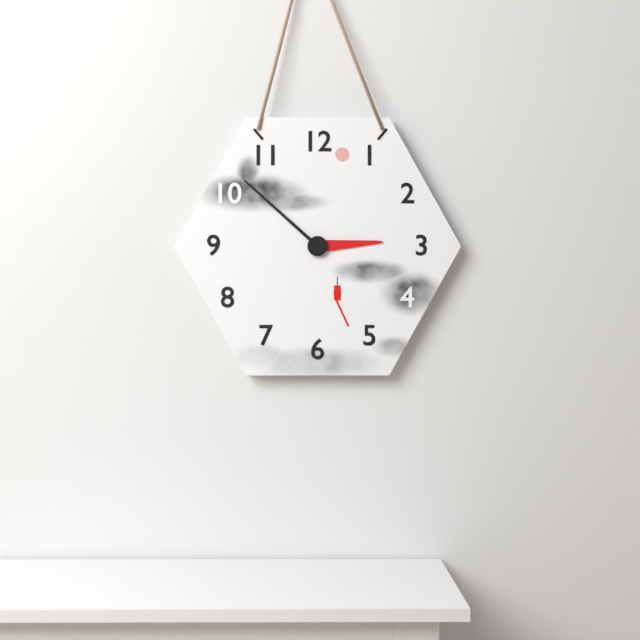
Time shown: h=2 m=52
